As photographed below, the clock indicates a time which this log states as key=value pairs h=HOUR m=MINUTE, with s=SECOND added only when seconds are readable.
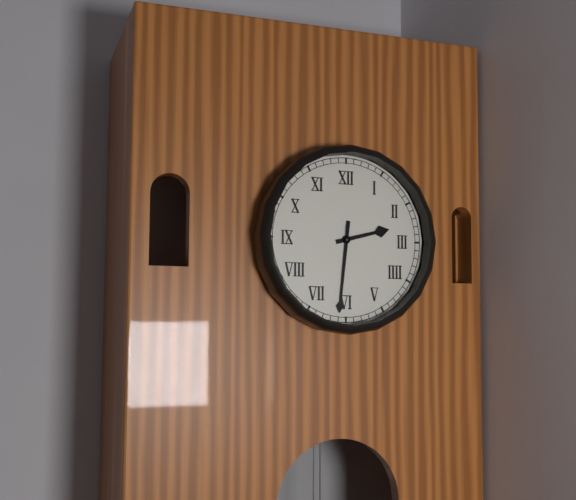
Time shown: h=2 m=31
